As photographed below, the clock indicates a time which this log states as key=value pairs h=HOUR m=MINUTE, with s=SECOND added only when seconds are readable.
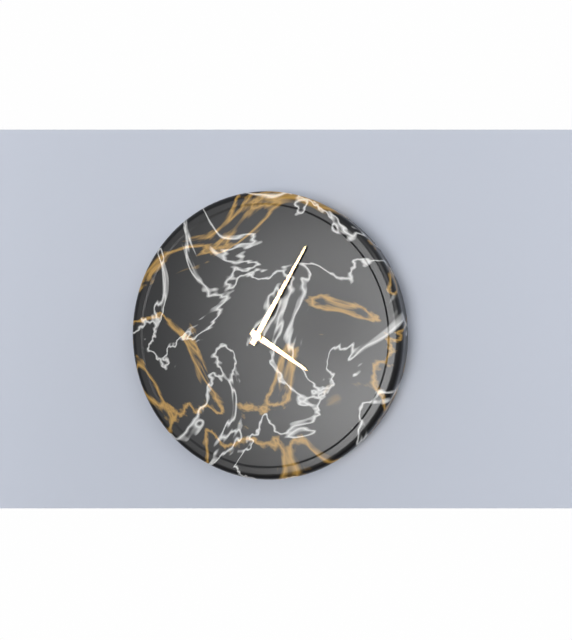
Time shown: h=4 m=5
